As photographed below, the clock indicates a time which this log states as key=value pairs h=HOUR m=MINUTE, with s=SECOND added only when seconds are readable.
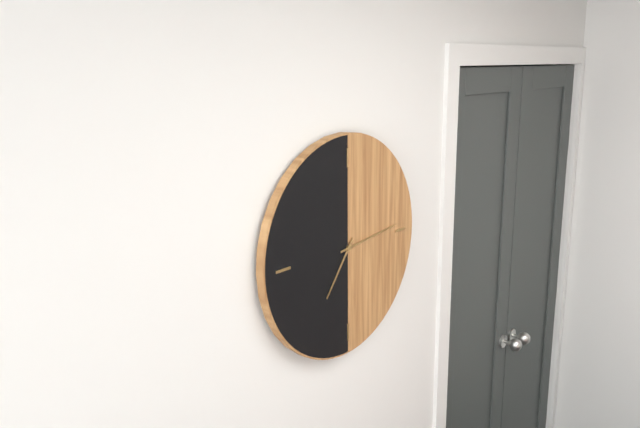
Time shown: h=7 m=14
